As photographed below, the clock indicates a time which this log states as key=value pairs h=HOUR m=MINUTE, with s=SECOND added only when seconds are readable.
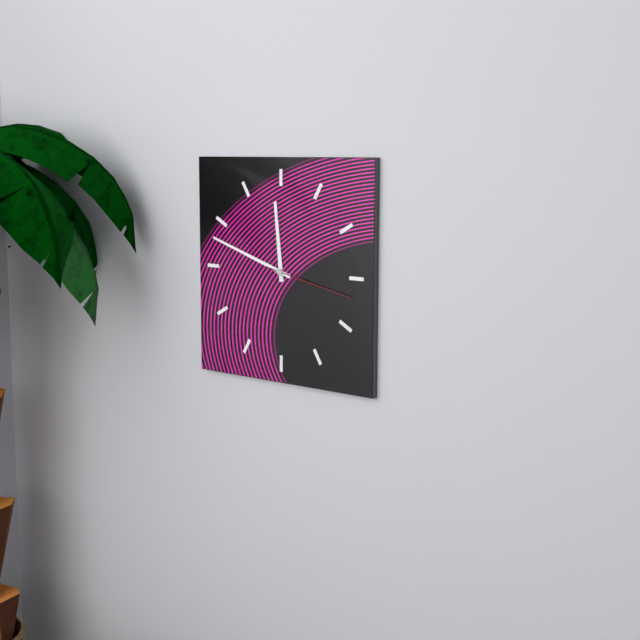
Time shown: h=11 m=48 s=17
